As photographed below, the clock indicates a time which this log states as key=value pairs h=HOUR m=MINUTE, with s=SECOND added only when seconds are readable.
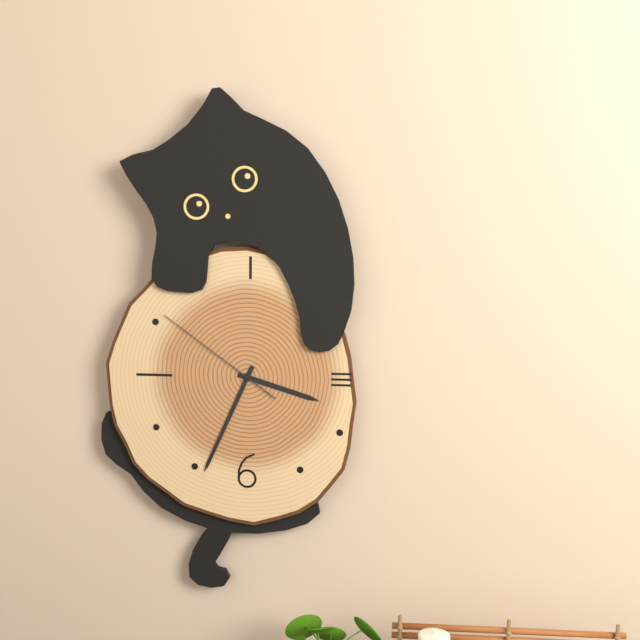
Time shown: h=3 m=34 s=51
